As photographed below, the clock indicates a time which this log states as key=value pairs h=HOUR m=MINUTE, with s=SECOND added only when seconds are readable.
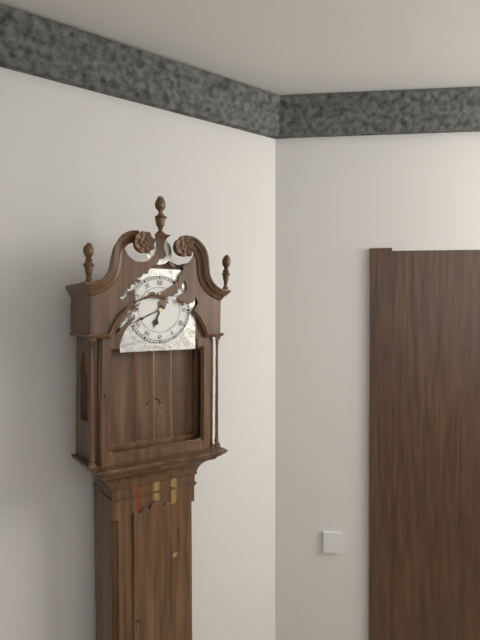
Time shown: h=6 m=41
